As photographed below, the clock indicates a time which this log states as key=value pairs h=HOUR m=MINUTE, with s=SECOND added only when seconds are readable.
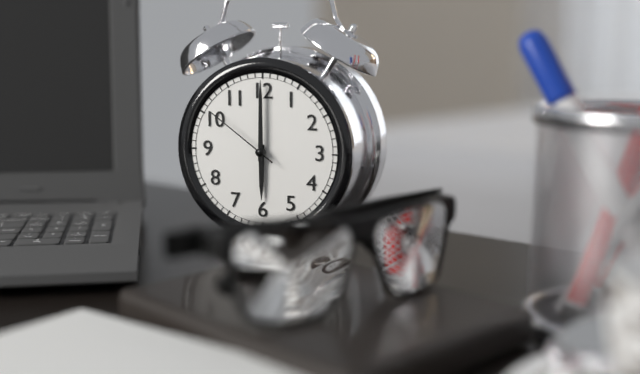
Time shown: h=6 m=0 s=51
